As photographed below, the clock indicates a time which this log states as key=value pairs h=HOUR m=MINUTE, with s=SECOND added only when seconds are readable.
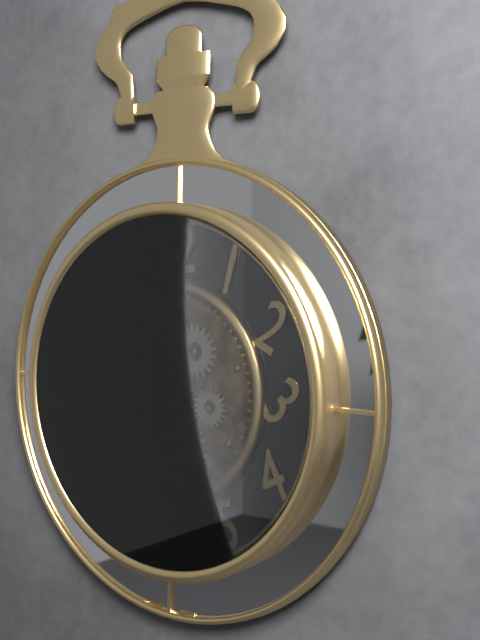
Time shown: h=9 m=31
